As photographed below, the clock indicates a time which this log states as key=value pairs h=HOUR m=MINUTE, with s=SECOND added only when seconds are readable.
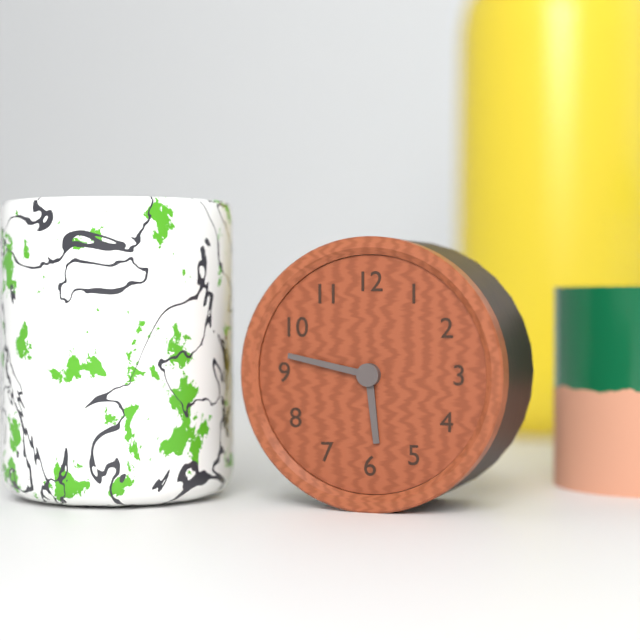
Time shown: h=5 m=47
